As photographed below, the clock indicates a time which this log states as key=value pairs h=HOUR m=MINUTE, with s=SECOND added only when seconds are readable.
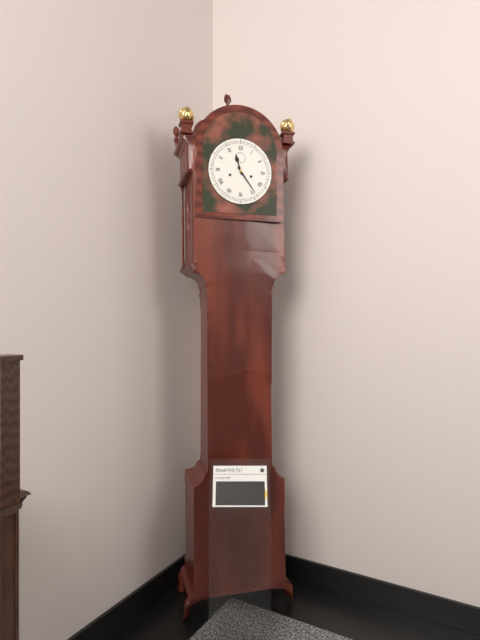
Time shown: h=11 m=24
